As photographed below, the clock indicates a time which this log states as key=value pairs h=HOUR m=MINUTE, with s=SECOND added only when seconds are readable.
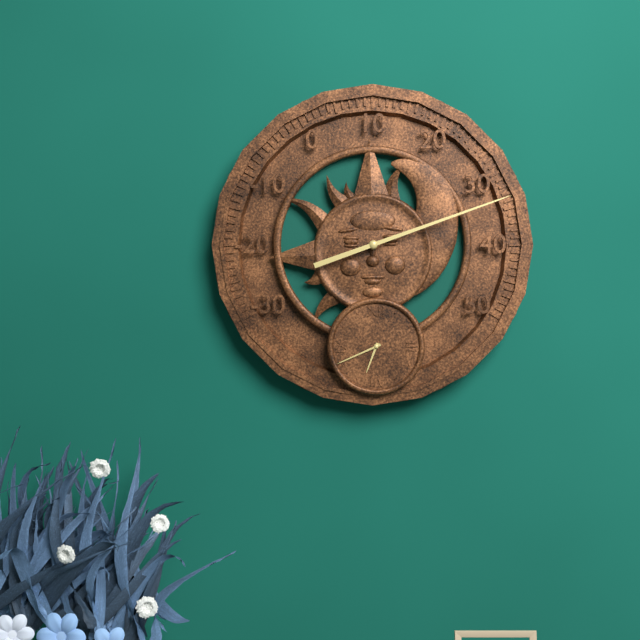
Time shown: h=6 m=41
